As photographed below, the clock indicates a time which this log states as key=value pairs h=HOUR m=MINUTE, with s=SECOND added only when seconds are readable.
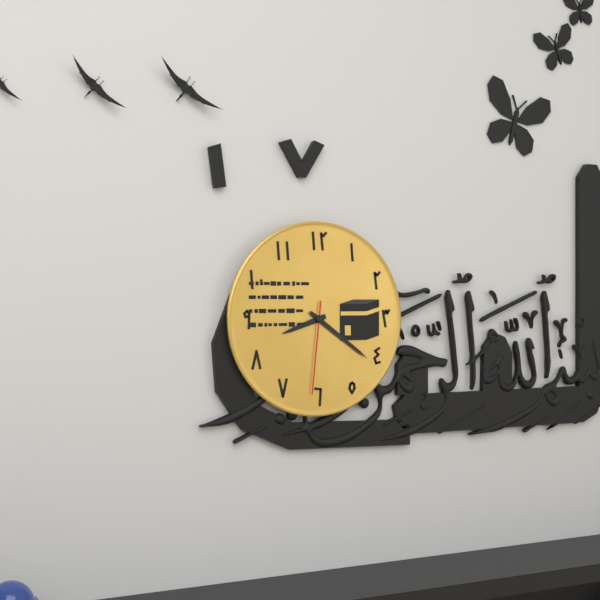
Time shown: h=8 m=21 s=31
